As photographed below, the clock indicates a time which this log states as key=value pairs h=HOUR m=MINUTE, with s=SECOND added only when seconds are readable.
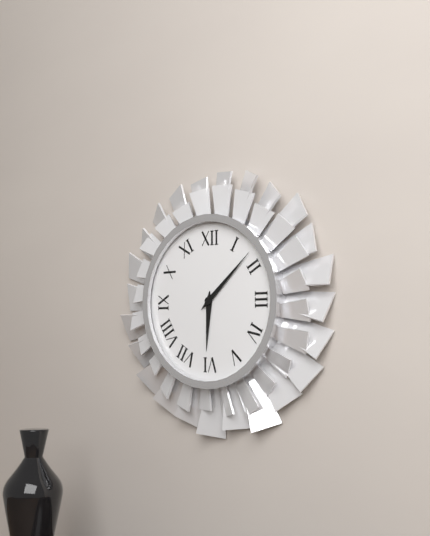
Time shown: h=6 m=8
